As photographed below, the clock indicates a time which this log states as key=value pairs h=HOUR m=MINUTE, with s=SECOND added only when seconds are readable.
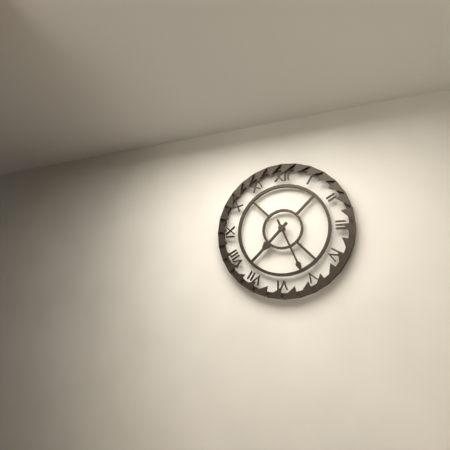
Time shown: h=7 m=26
